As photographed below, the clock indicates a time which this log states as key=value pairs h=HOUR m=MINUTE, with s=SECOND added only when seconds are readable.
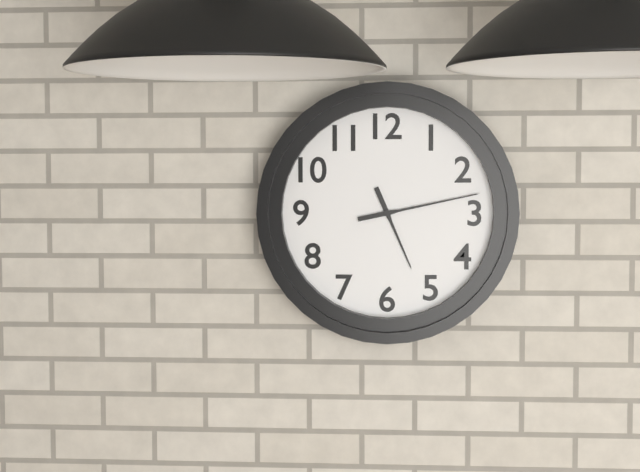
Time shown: h=5 m=13
